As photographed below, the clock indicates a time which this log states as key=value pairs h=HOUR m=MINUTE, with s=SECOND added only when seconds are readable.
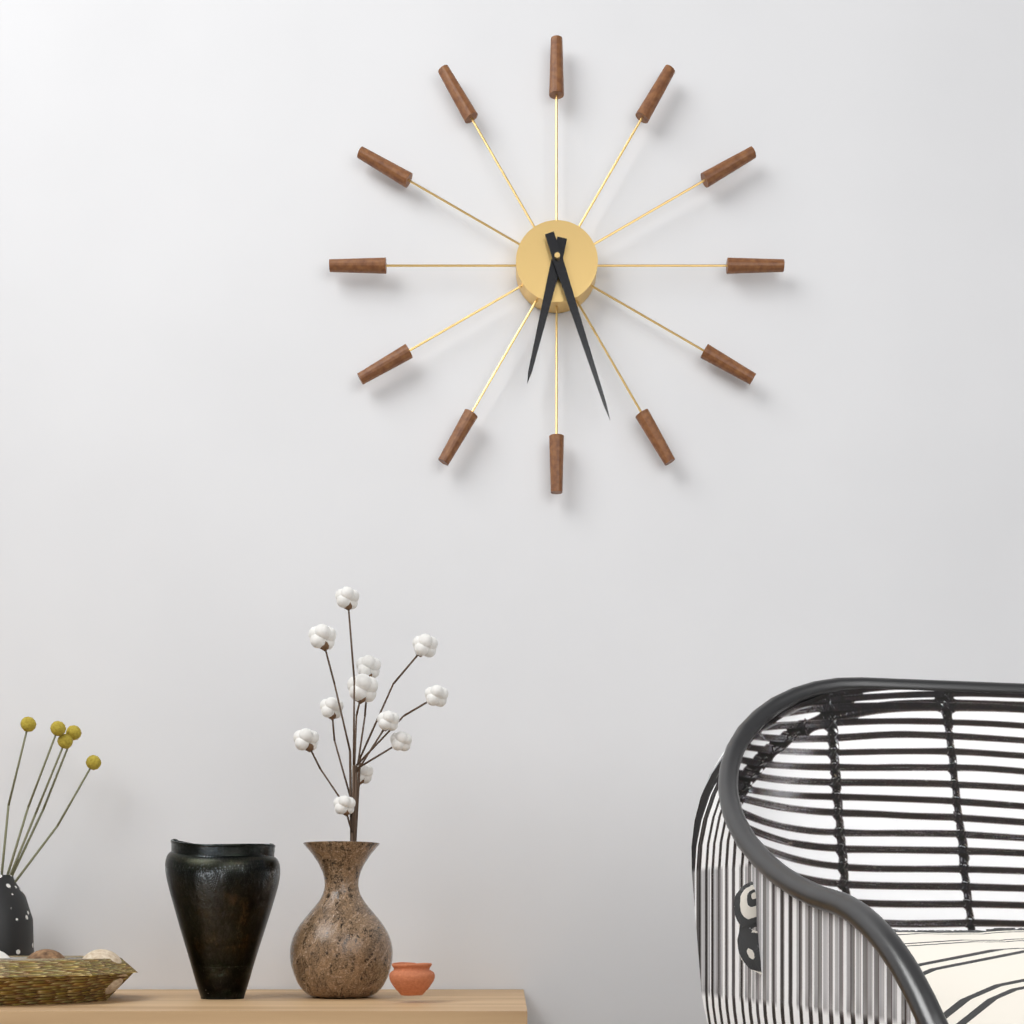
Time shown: h=6 m=27
